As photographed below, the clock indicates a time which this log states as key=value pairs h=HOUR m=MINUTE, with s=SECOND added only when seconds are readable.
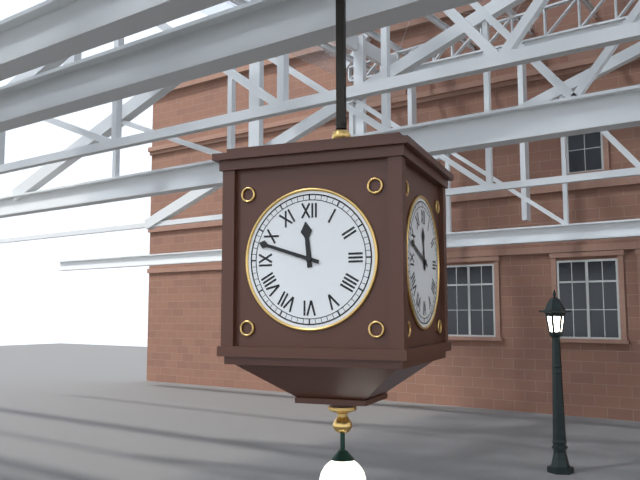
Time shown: h=11 m=48
